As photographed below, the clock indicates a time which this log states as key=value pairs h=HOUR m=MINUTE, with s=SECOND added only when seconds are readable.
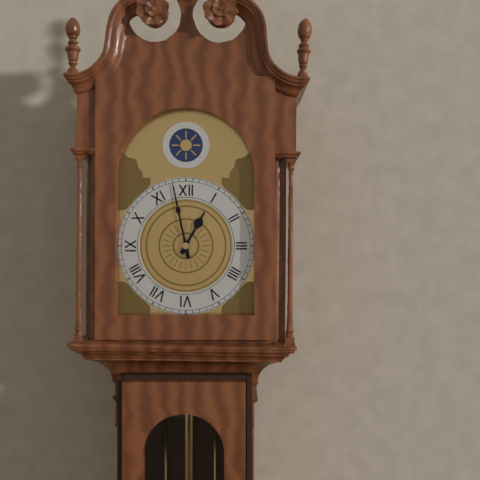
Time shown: h=12 m=58
